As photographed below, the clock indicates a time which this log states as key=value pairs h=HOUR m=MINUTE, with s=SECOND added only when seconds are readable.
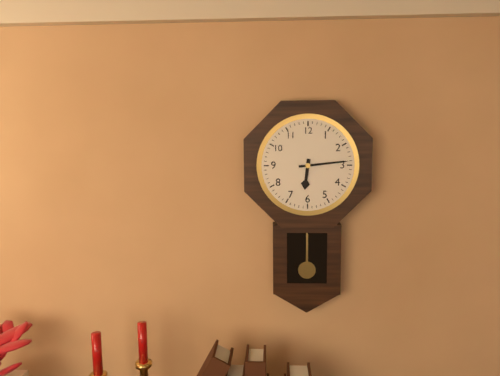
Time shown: h=6 m=14
